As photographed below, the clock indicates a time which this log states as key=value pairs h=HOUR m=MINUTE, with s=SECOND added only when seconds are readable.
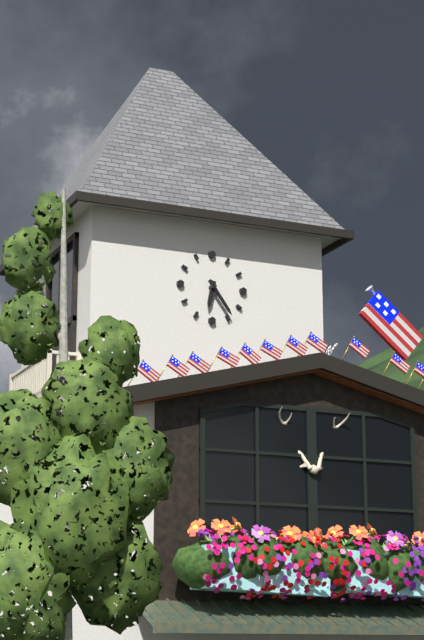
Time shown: h=6 m=24
